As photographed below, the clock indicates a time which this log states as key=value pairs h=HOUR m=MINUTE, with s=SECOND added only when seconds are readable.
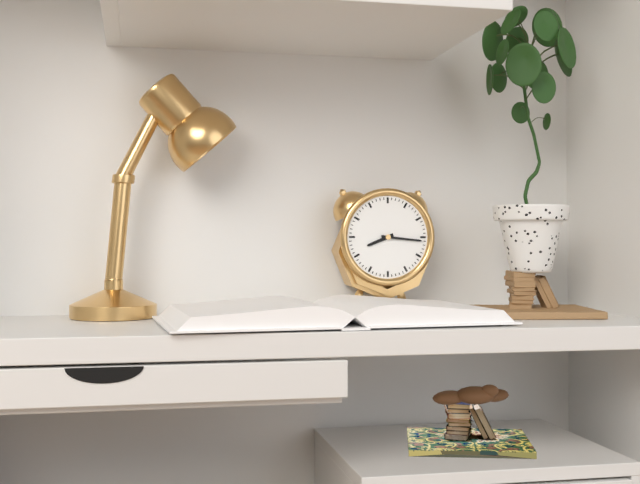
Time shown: h=8 m=16
